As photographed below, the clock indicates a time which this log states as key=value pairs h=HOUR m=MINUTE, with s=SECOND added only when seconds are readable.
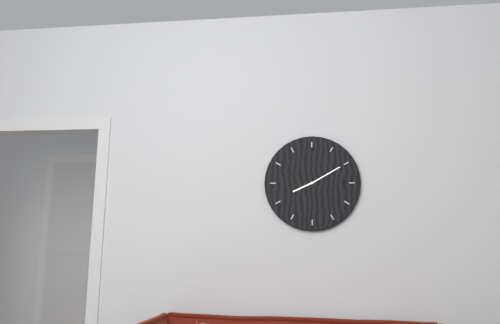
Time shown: h=8 m=10
